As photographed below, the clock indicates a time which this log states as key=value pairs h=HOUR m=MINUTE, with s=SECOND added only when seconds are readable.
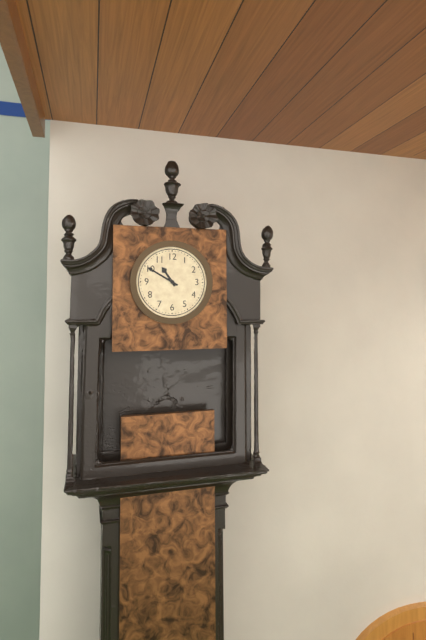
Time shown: h=10 m=50
